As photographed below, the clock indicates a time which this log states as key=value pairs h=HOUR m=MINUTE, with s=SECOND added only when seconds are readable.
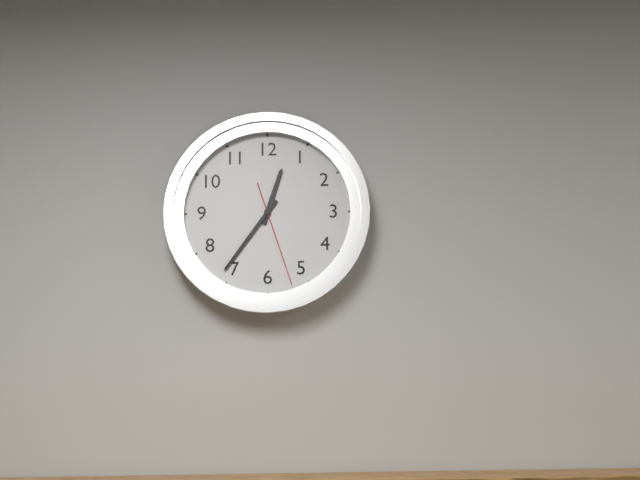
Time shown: h=12 m=36 s=27
